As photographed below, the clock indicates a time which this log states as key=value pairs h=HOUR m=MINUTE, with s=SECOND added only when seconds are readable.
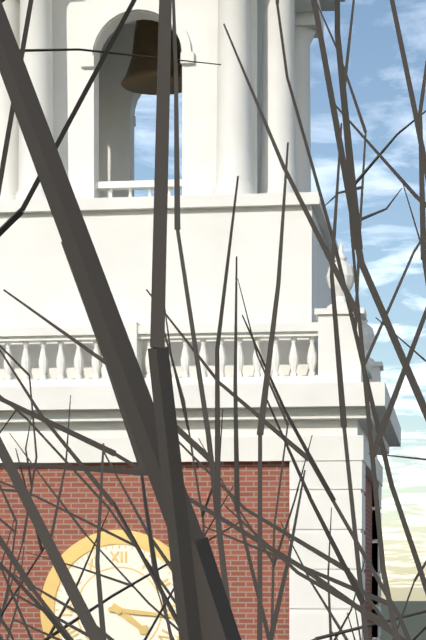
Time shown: h=4 m=16
